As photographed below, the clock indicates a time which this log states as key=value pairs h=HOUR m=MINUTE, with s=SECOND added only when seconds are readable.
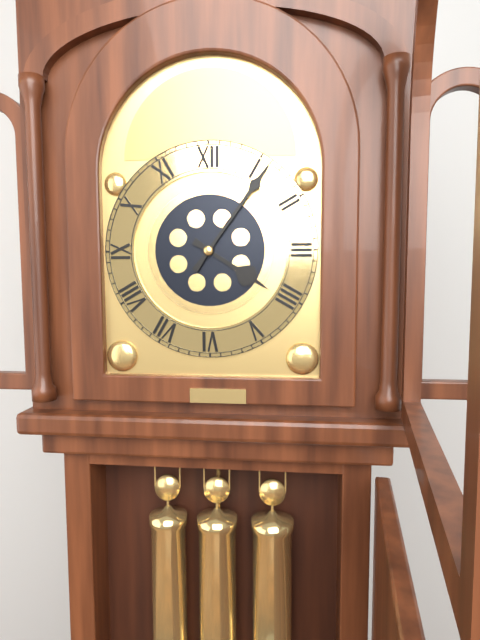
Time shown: h=4 m=6
